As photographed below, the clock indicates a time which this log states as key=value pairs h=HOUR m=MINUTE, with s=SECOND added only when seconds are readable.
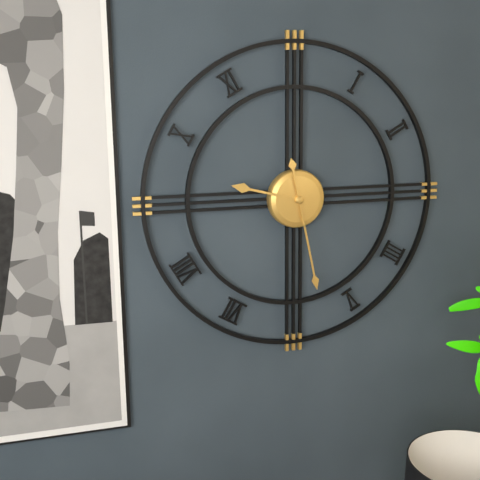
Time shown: h=9 m=28
